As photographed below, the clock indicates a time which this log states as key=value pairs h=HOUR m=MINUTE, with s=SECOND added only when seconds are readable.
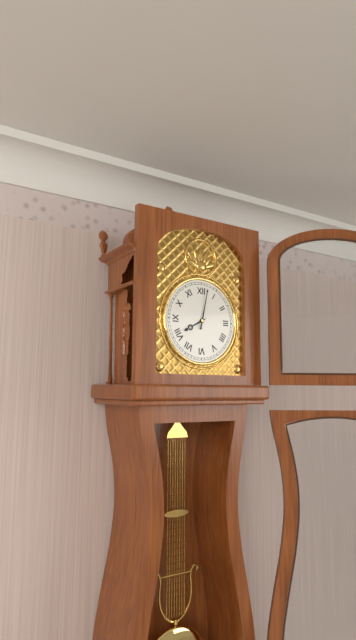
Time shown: h=8 m=2
